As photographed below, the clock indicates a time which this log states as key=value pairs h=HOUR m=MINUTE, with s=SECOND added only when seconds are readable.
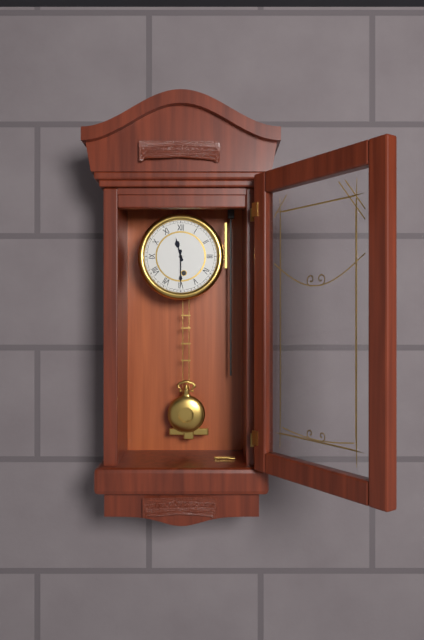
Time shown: h=11 m=30
